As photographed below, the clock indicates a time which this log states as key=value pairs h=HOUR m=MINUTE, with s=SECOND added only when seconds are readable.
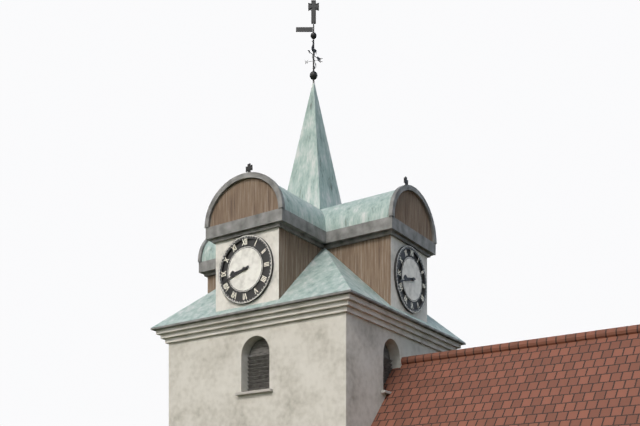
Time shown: h=8 m=42
